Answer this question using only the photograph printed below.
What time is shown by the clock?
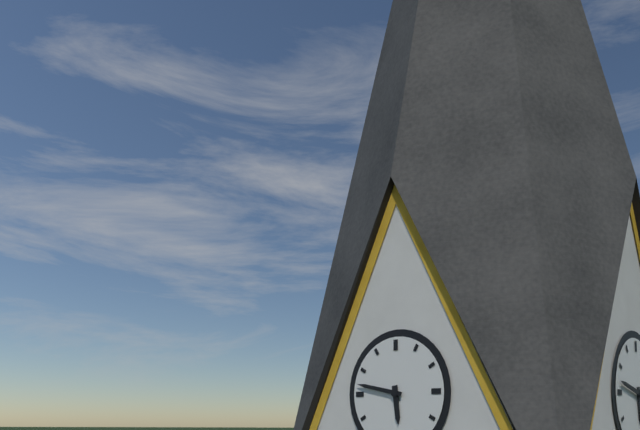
5:47
